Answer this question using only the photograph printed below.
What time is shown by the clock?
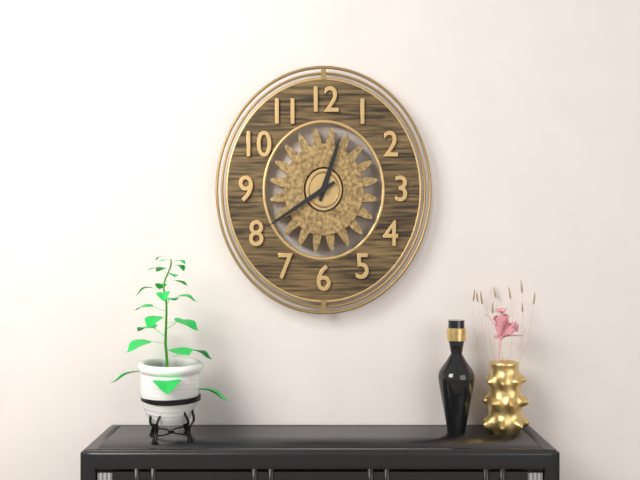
12:40
